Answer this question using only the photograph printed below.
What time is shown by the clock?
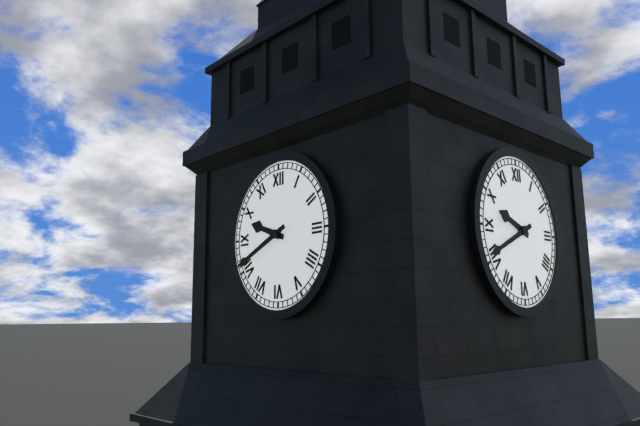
9:41
